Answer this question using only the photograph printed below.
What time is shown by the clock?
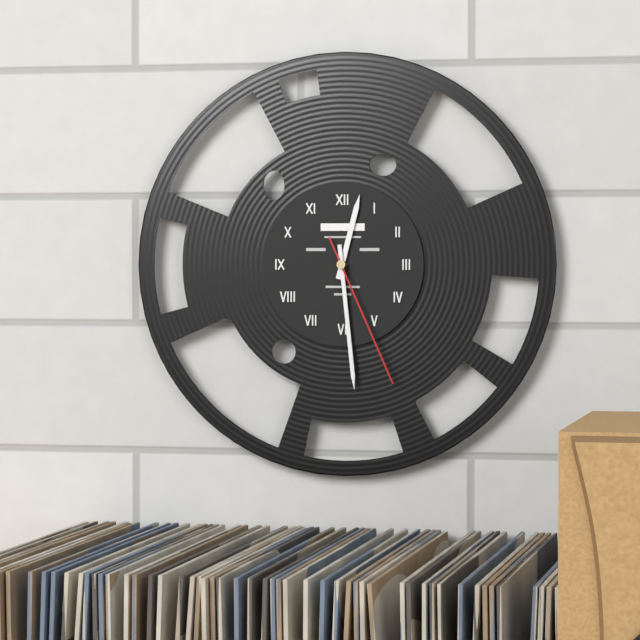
12:29:26
